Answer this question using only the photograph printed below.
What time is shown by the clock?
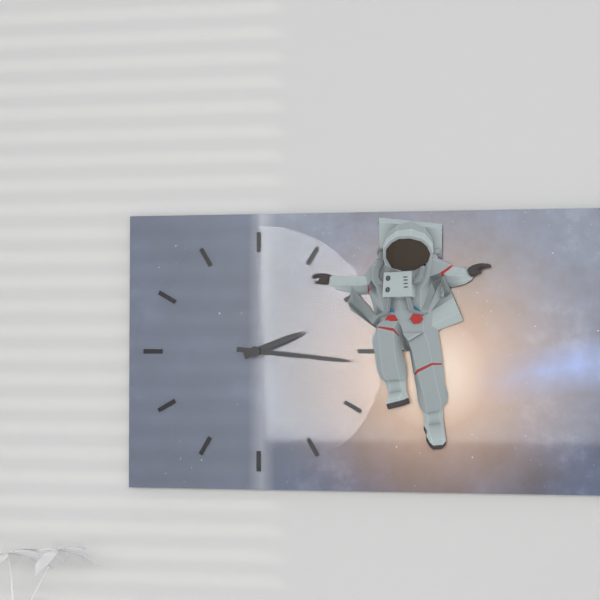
2:16
